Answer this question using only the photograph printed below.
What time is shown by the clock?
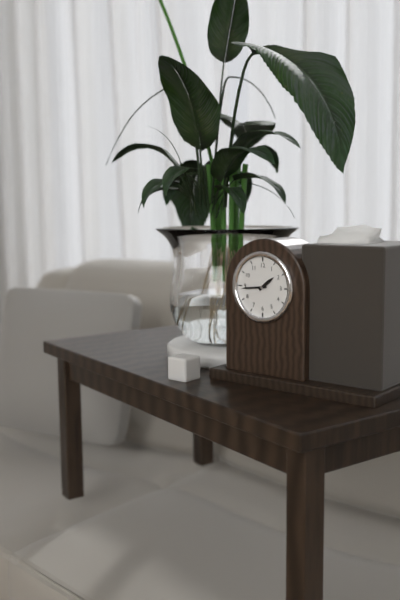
1:44
